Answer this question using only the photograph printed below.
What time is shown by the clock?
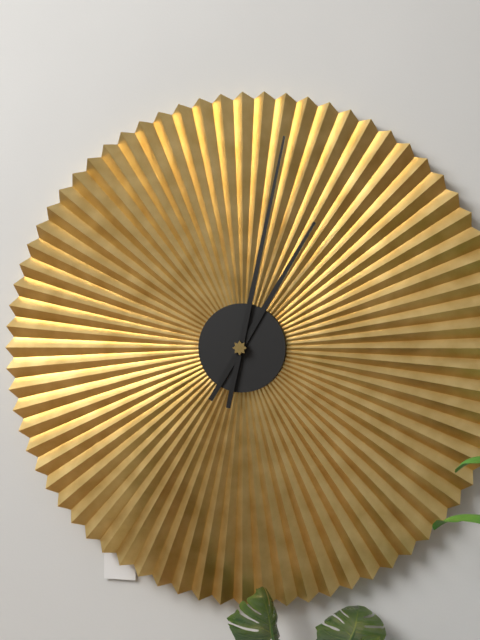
1:02
